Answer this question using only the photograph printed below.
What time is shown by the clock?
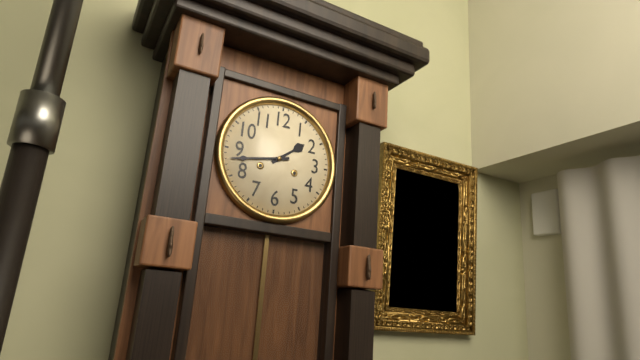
1:43
